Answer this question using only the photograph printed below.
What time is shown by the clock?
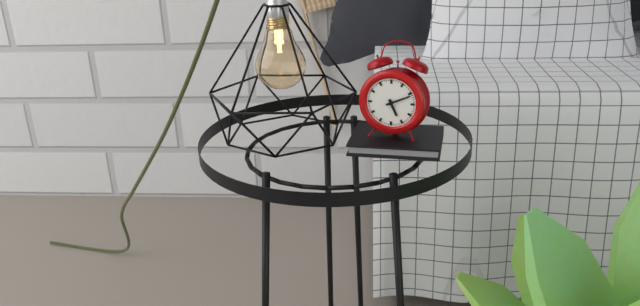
5:11
